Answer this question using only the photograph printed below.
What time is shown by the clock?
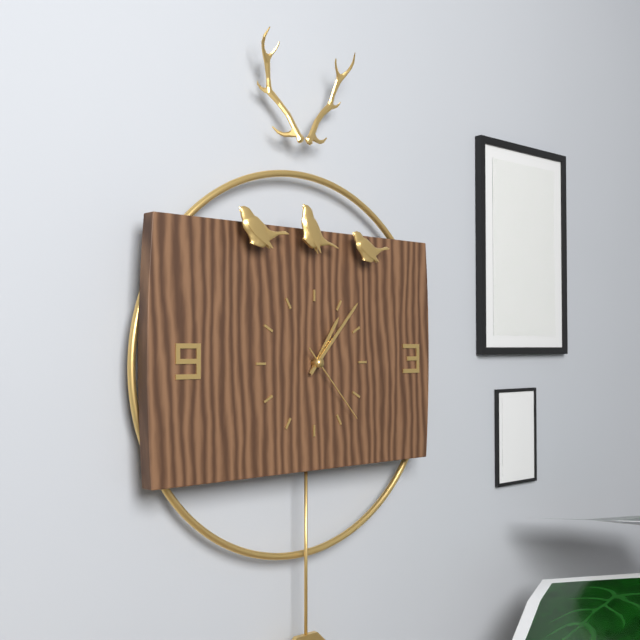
1:07:23
